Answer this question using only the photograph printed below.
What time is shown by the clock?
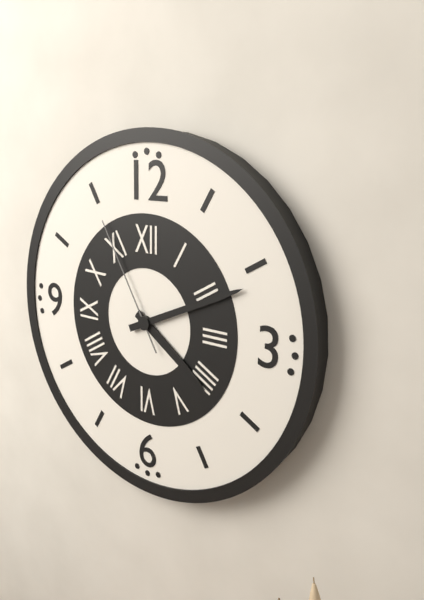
4:11:55
